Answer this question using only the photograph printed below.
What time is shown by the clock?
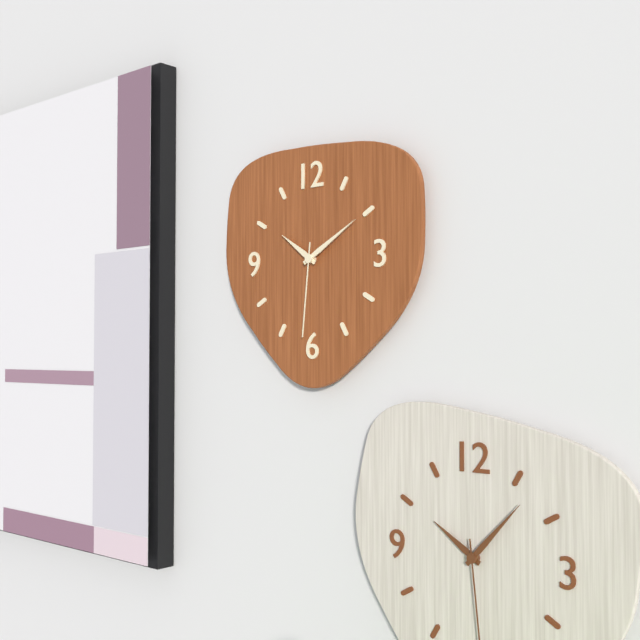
10:10:31
